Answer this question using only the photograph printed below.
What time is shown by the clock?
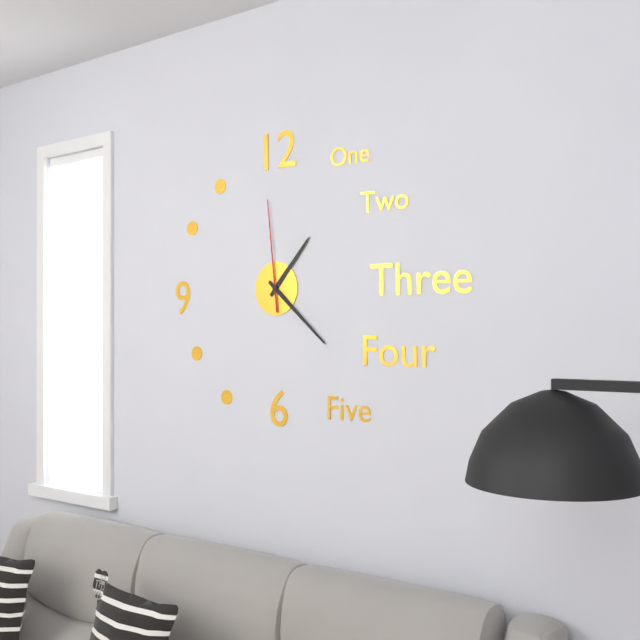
1:22:59
